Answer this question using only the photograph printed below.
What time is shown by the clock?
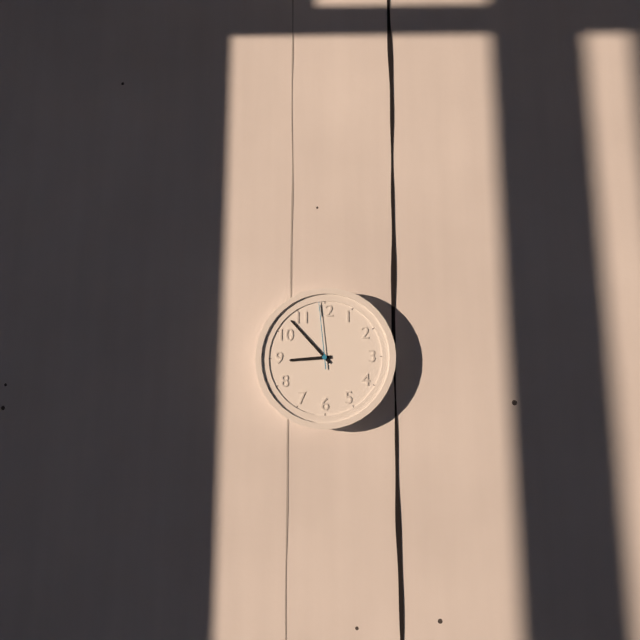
8:53:59
